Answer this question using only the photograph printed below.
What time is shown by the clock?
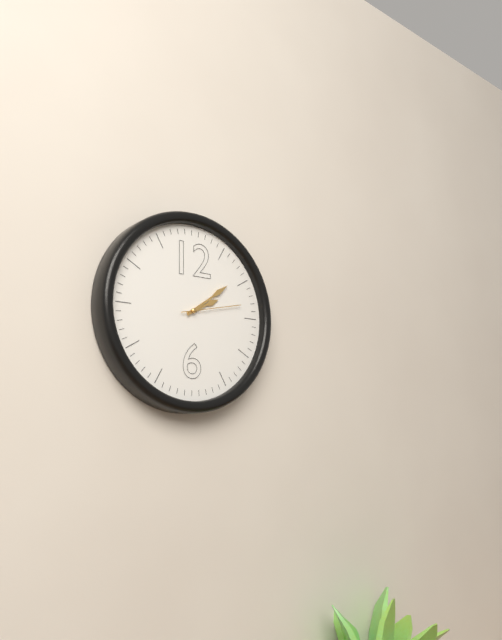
2:09:13
